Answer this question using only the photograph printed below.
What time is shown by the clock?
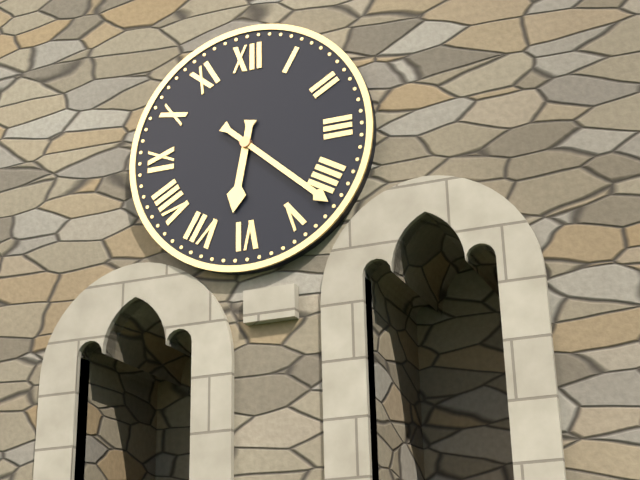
6:22
